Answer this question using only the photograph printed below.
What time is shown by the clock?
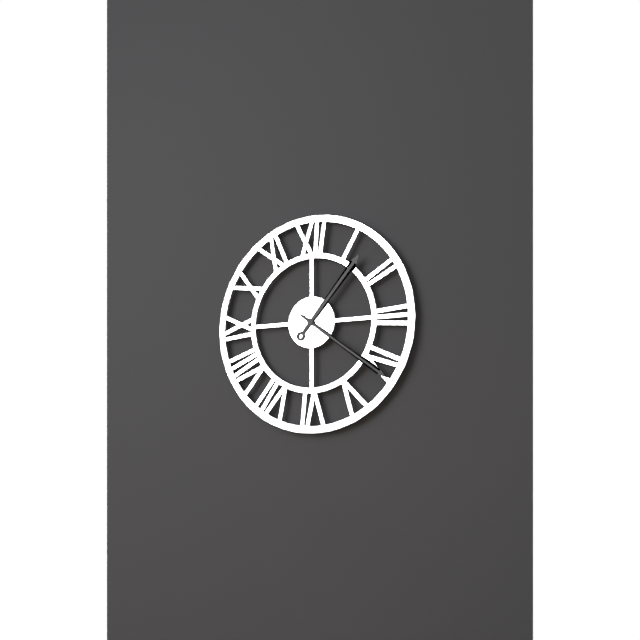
1:21
